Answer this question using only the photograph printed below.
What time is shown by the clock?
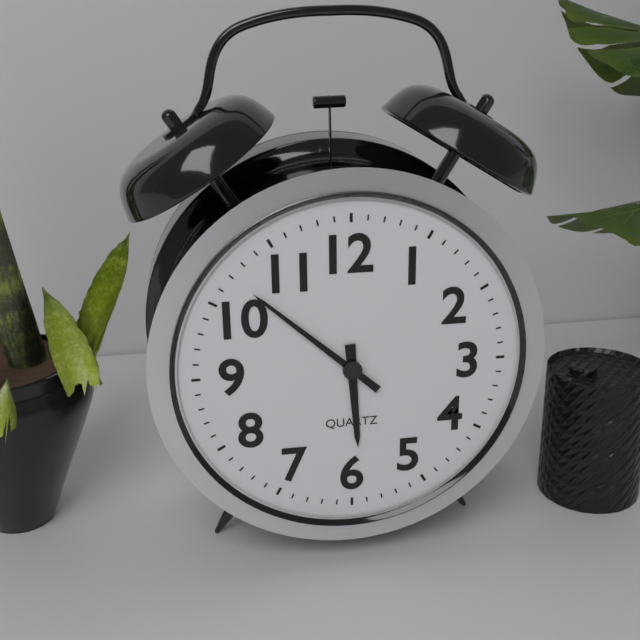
5:52
